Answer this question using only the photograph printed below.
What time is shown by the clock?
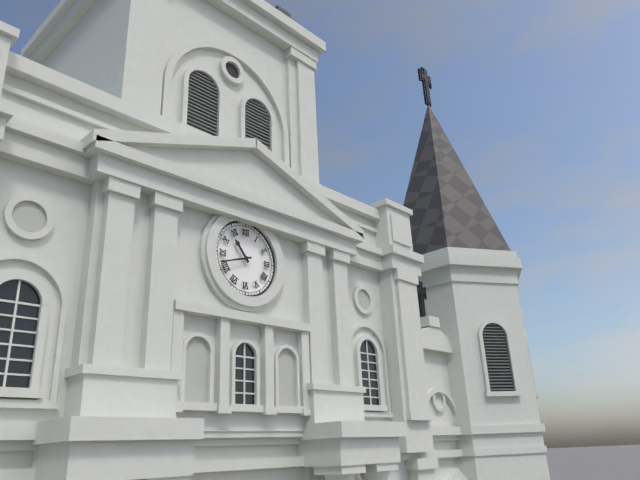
10:42
